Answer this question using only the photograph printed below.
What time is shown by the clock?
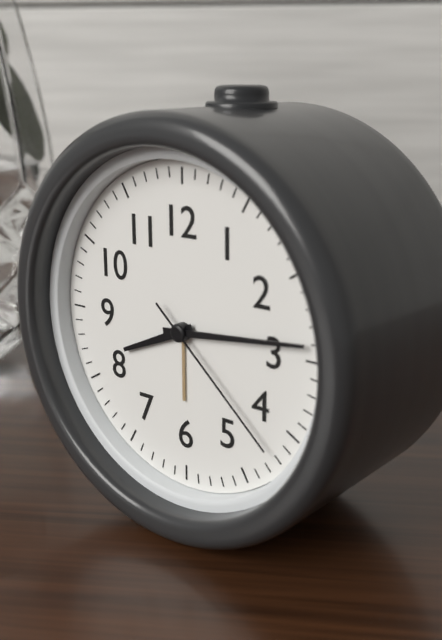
8:14:22
